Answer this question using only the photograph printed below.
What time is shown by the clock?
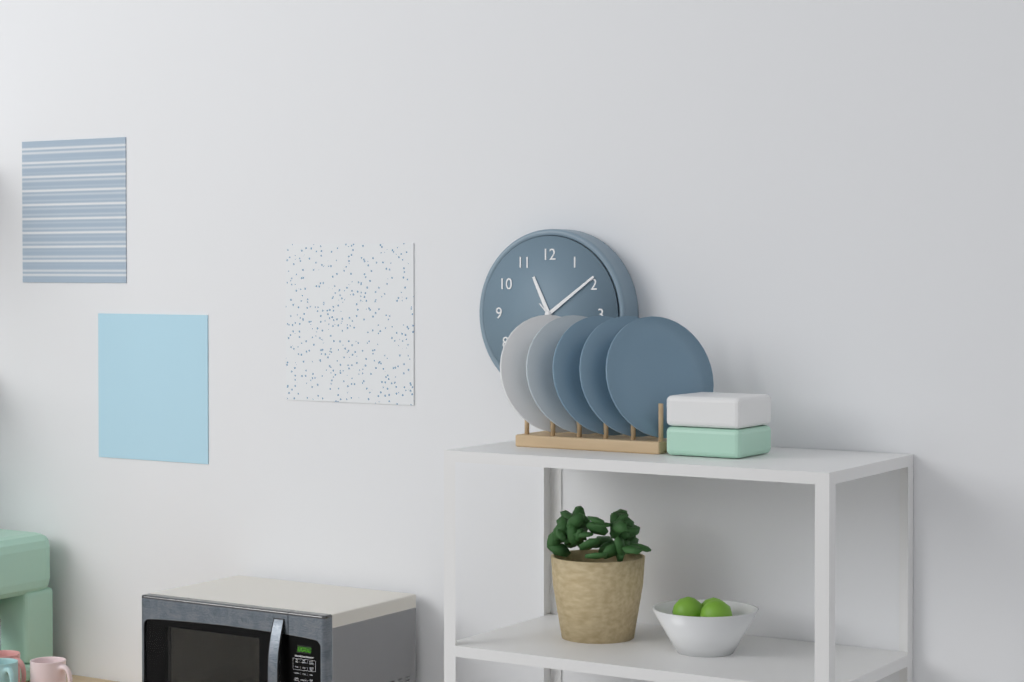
11:09
